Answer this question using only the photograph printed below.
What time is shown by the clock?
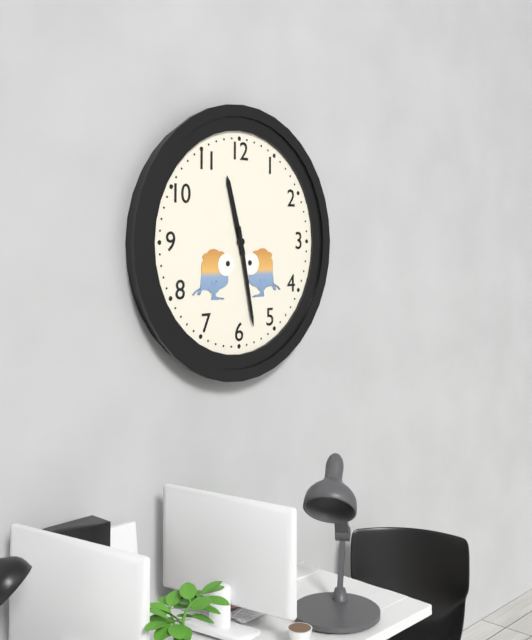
11:28
